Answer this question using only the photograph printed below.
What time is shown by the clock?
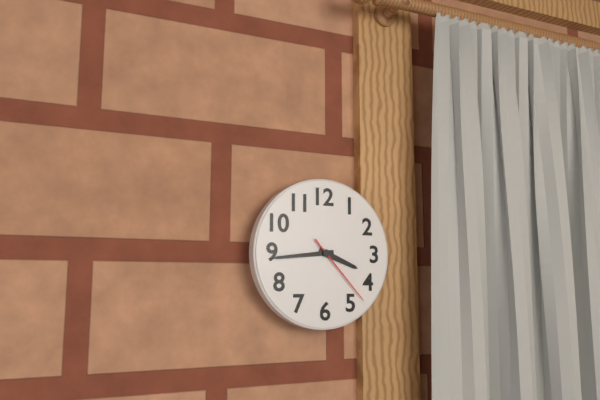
3:44:23
